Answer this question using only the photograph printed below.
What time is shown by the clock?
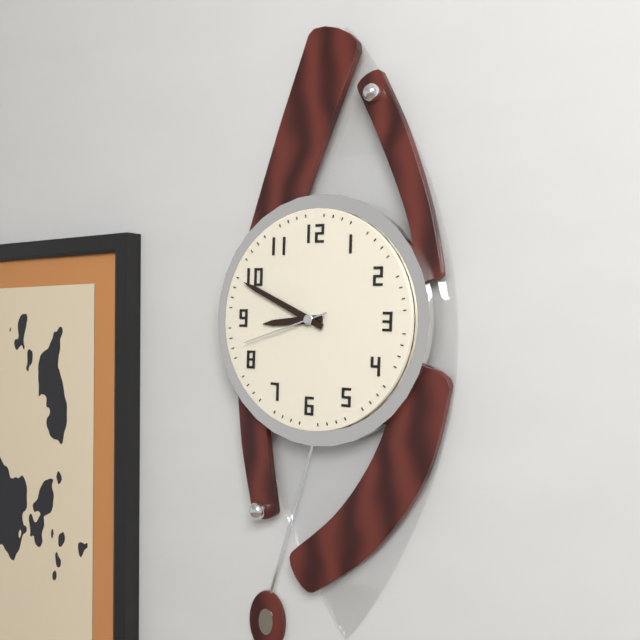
8:49:42
